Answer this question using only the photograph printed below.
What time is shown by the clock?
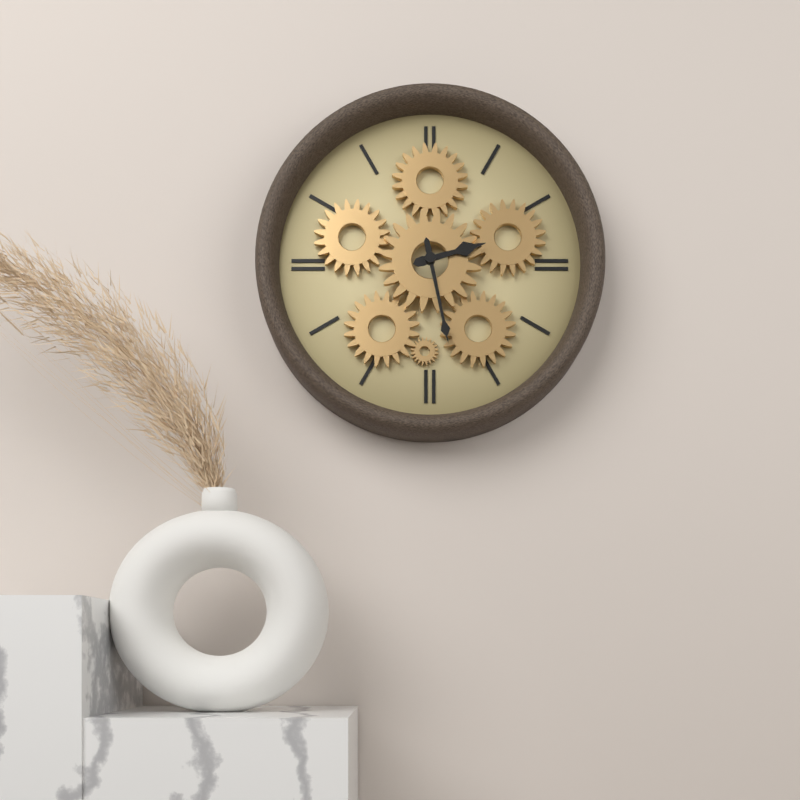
2:28
